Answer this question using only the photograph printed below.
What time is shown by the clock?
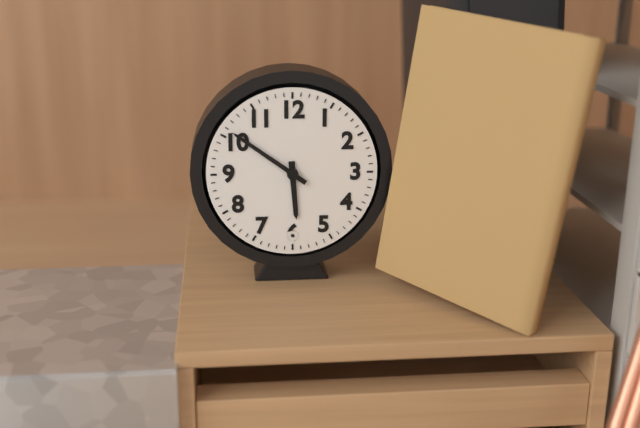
5:51
